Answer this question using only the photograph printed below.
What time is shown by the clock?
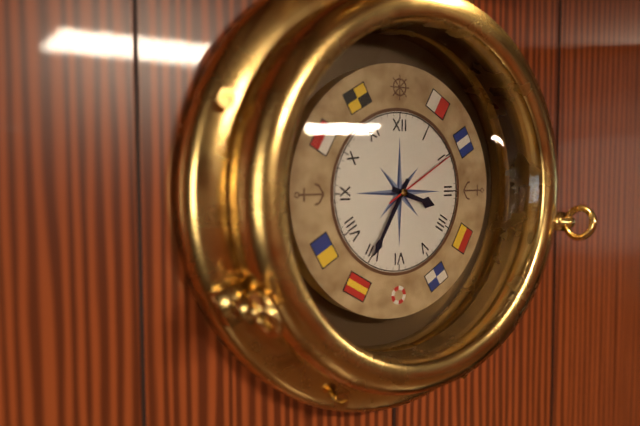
3:35:10
